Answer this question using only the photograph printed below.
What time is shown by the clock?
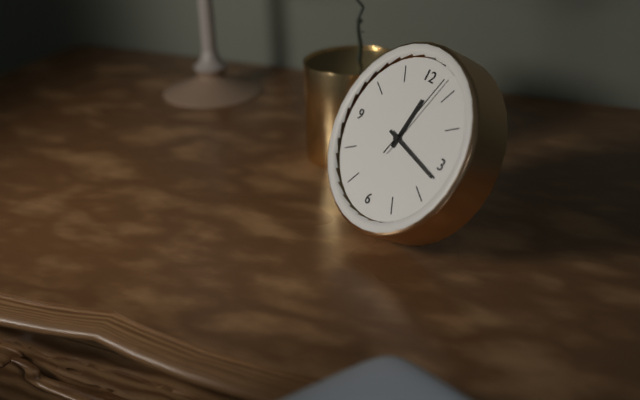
12:17:03
